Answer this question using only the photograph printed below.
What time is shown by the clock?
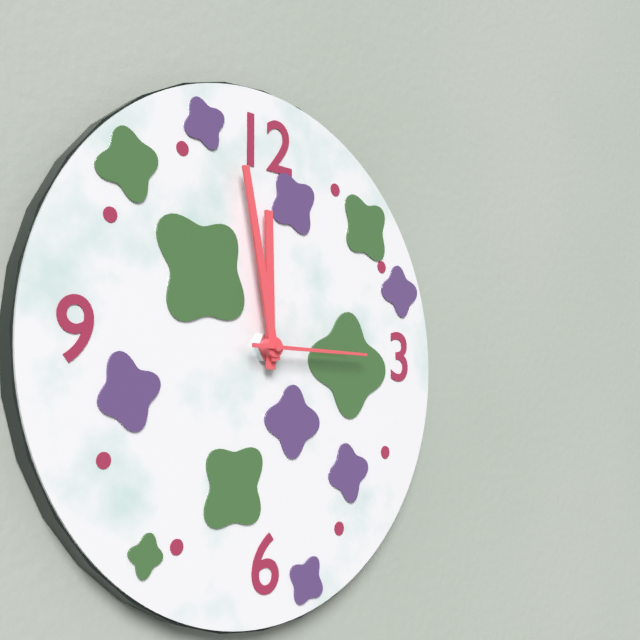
11:58:15
